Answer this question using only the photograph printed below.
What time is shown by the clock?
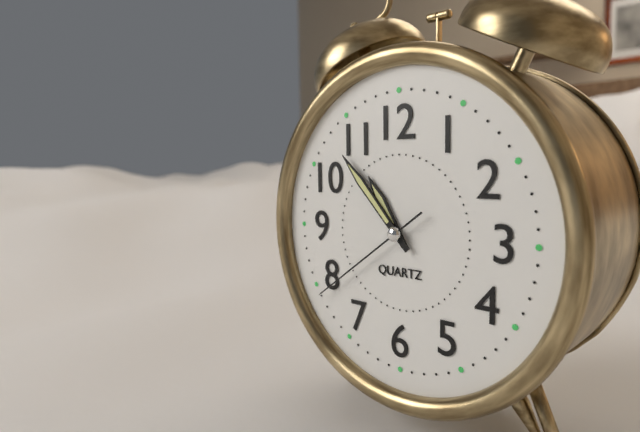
10:53:39
